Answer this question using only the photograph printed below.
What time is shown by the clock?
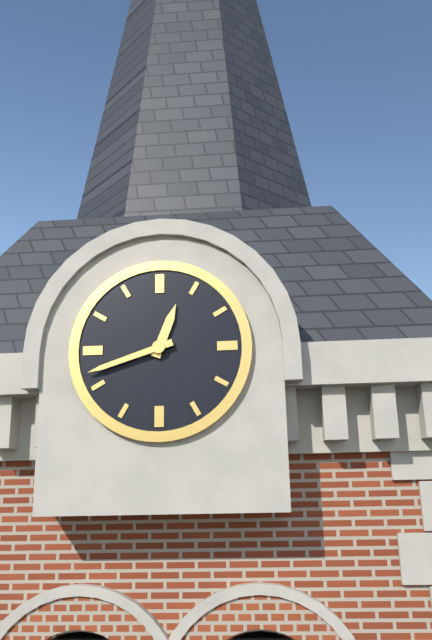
12:42
